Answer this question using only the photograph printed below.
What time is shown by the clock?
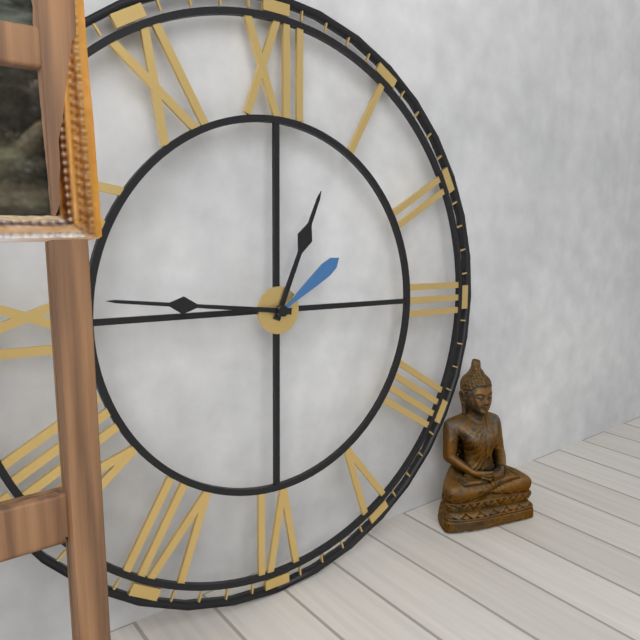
12:46:09
